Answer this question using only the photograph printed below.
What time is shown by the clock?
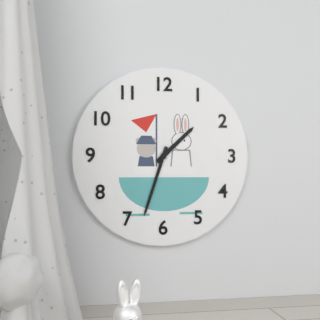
1:33
